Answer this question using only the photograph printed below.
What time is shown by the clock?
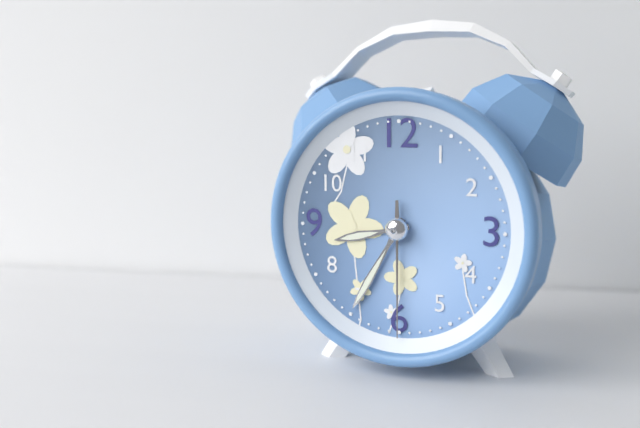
8:35:30
